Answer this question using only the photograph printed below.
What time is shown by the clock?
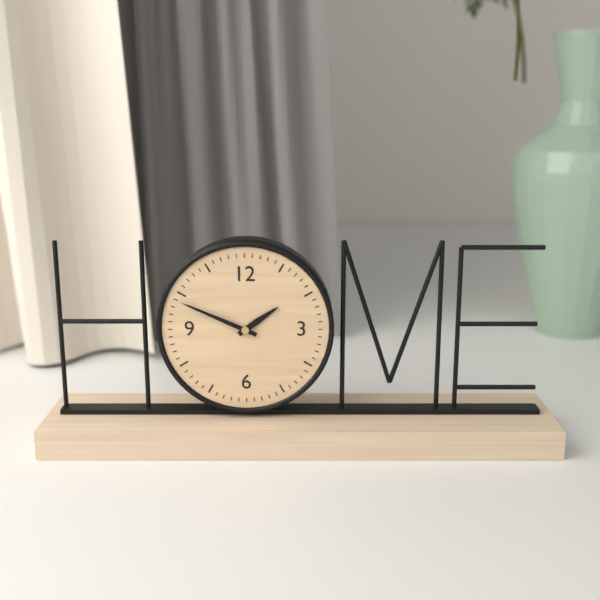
1:49
